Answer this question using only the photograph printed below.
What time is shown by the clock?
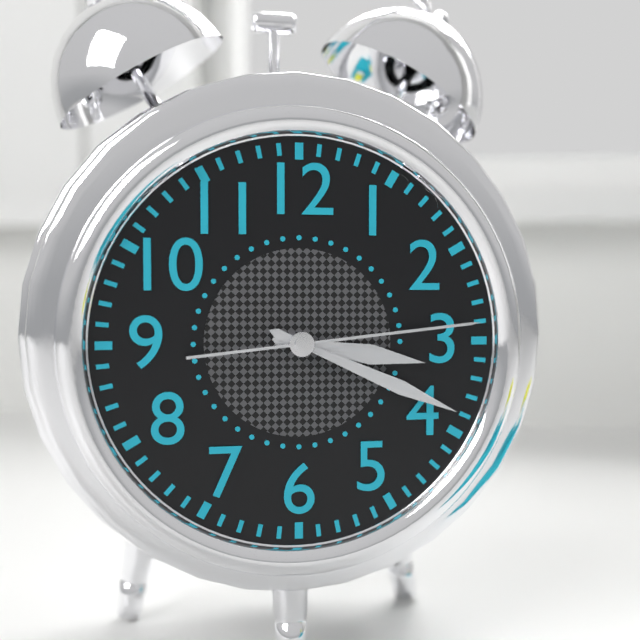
3:19:14
